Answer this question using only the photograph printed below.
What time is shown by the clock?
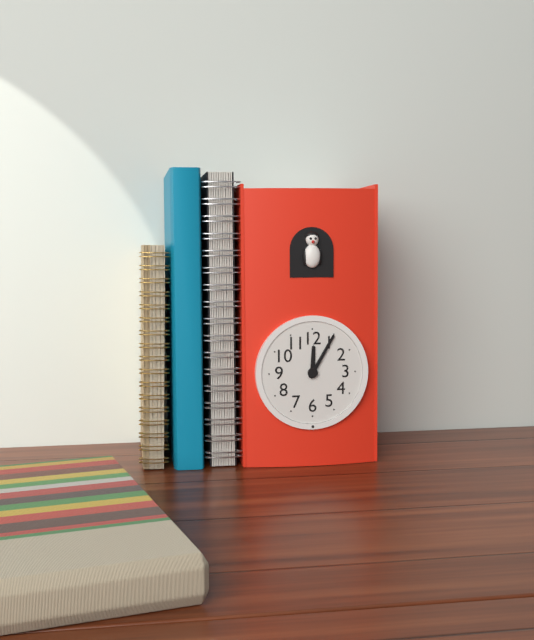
12:05
